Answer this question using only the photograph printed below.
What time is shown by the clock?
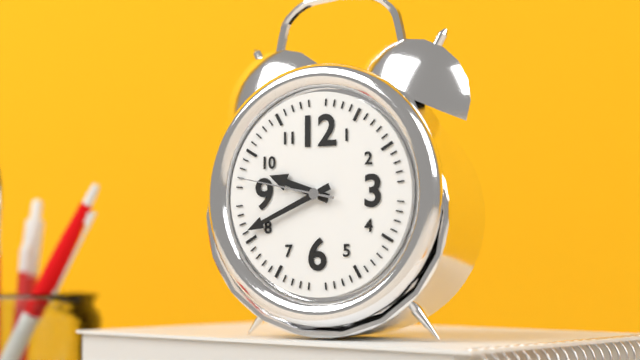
9:41:47
